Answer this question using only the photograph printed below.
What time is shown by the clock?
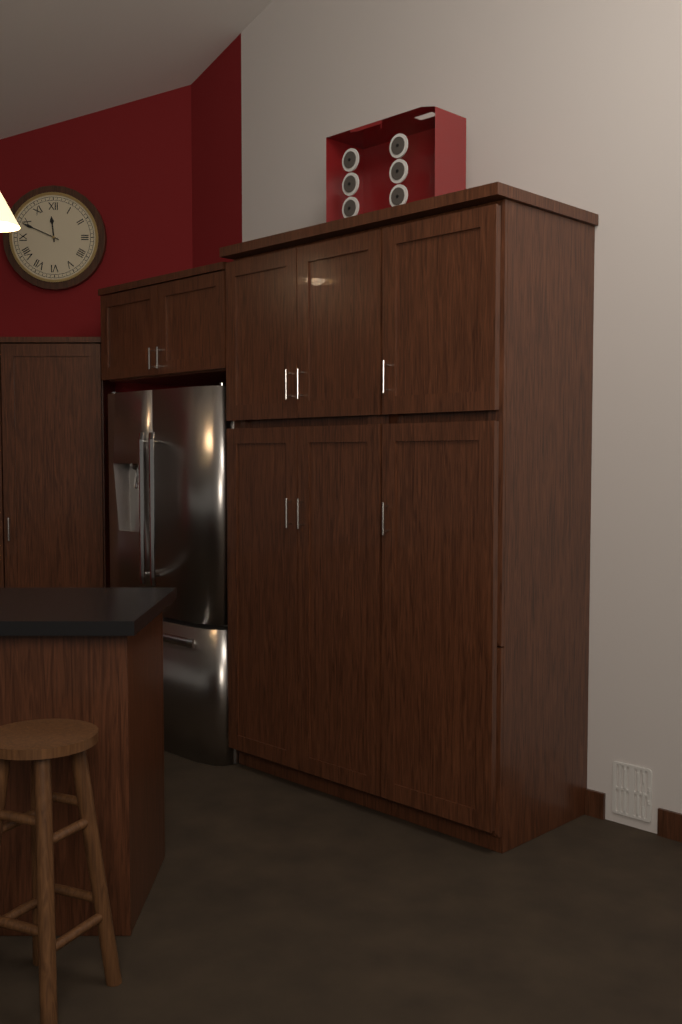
11:49
